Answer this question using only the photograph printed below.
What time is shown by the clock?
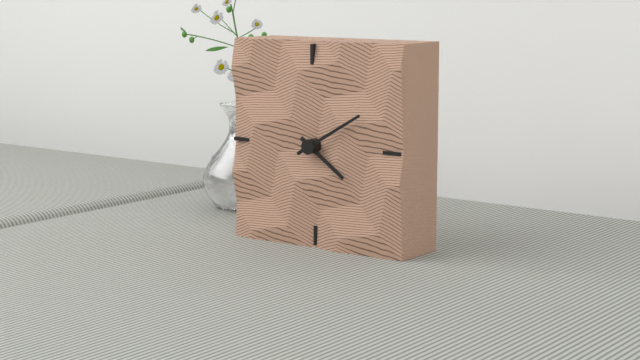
4:10
